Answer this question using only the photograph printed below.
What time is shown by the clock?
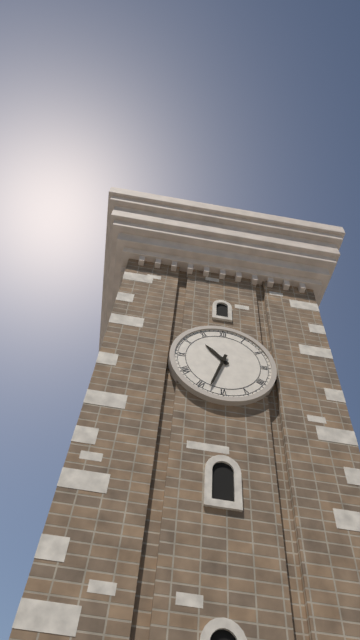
10:33
